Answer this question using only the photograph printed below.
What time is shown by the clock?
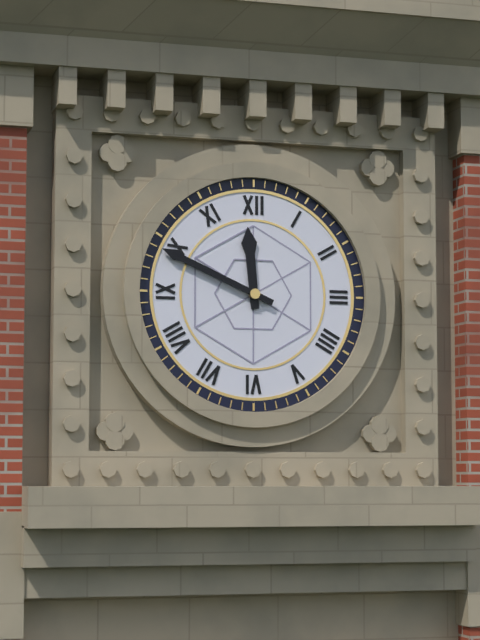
11:49
